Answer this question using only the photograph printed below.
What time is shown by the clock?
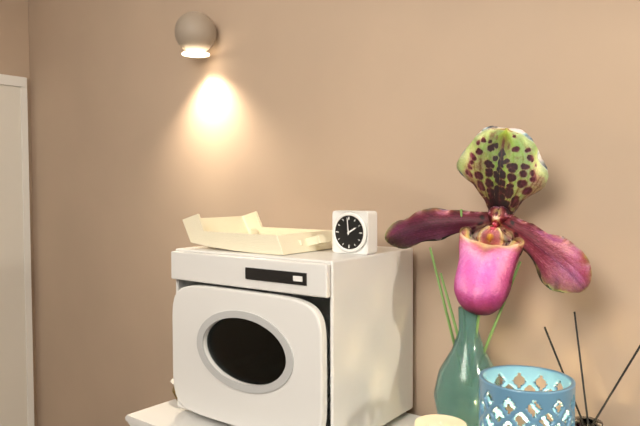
1:59
